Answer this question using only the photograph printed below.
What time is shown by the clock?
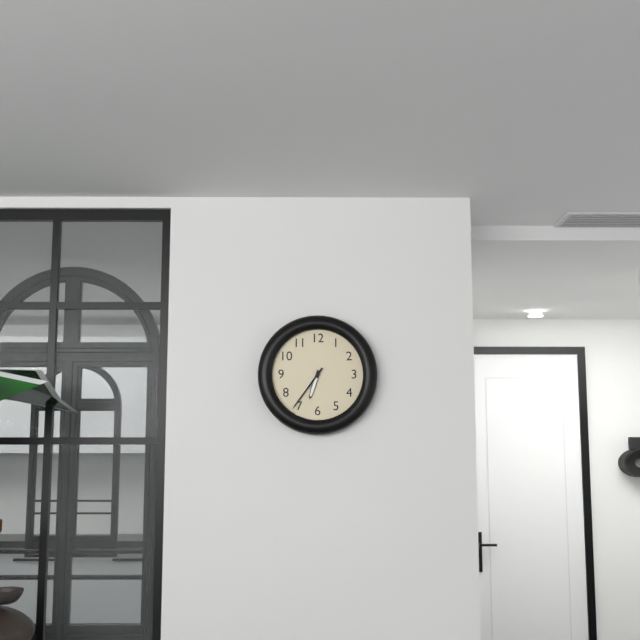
6:36
